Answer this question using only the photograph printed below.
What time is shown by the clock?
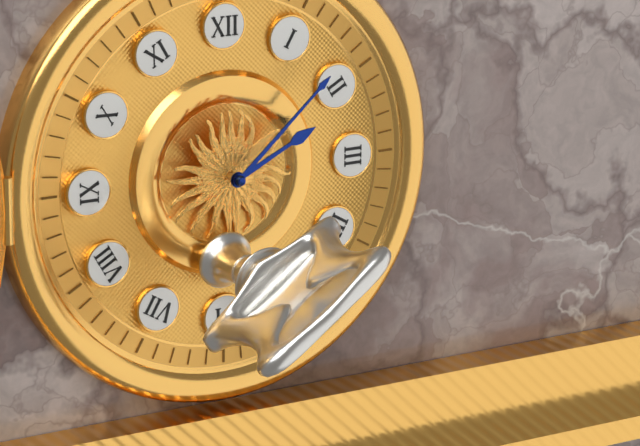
2:08
